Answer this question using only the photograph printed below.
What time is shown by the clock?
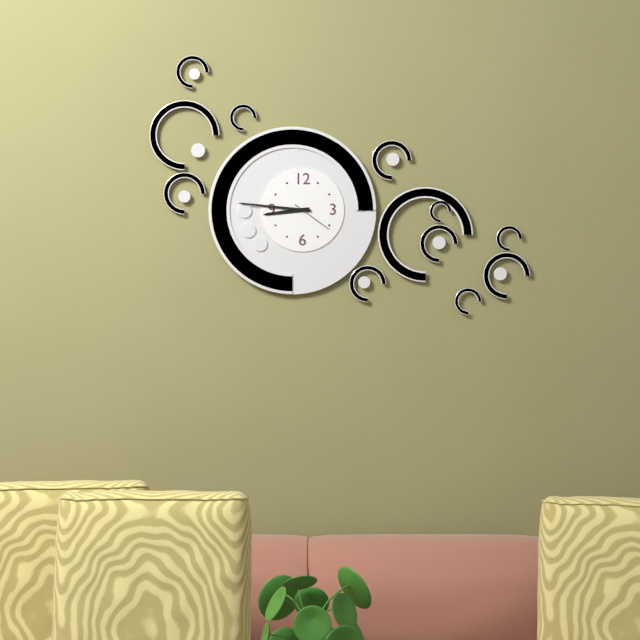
8:46
